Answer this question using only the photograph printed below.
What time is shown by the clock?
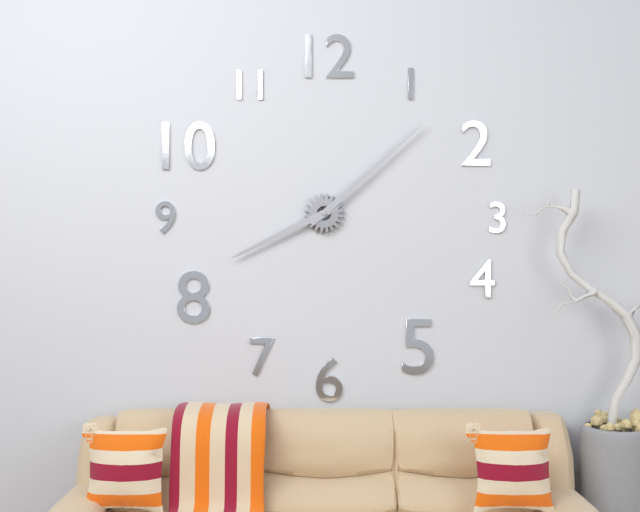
8:08
